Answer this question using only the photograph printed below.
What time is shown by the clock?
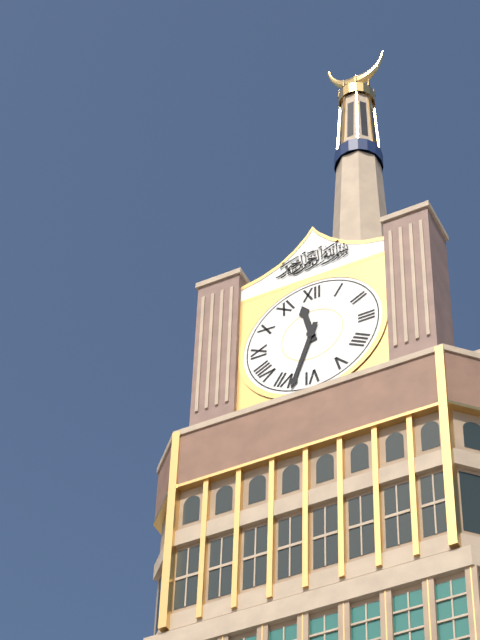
11:33
